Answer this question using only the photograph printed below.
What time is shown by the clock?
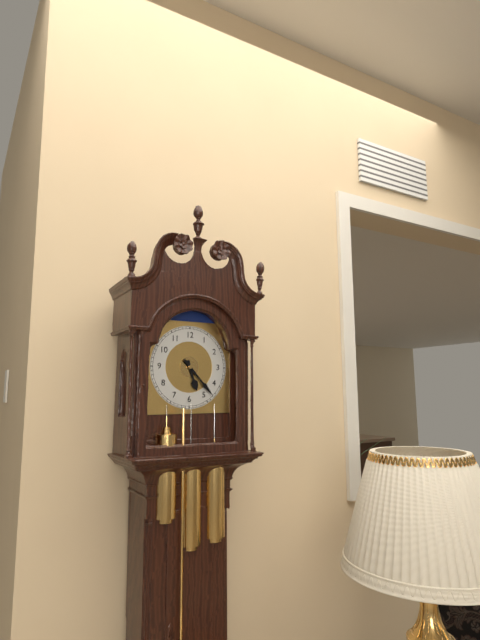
5:23
